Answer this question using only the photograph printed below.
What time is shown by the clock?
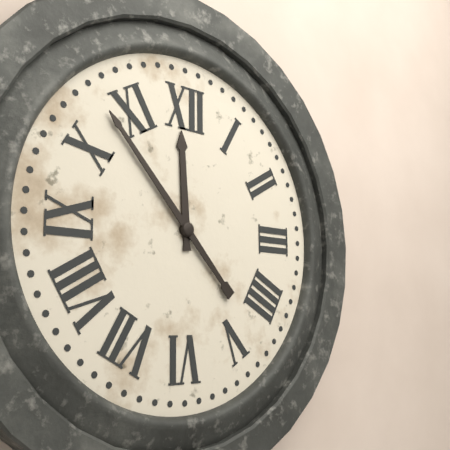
11:53
